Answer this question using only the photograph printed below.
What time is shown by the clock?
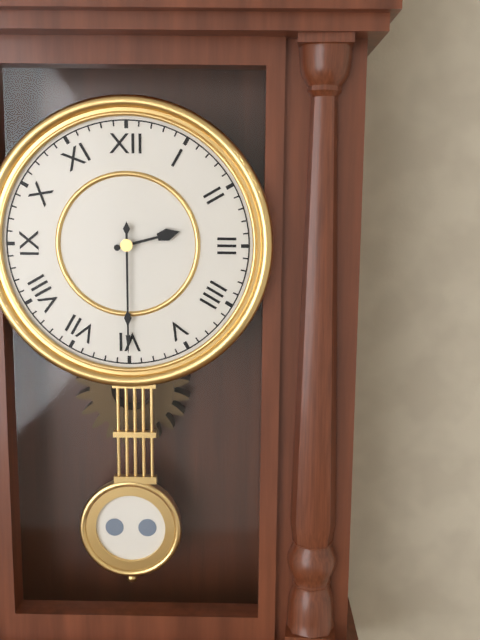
2:30
